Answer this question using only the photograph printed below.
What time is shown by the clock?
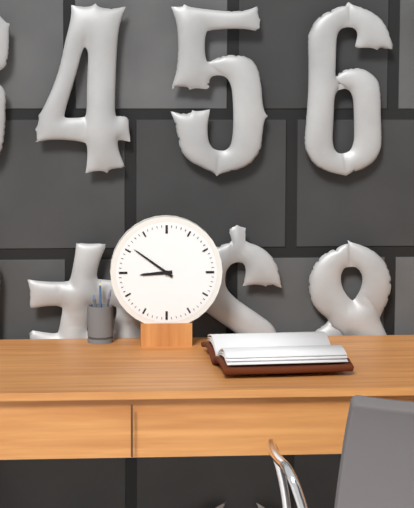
8:51
